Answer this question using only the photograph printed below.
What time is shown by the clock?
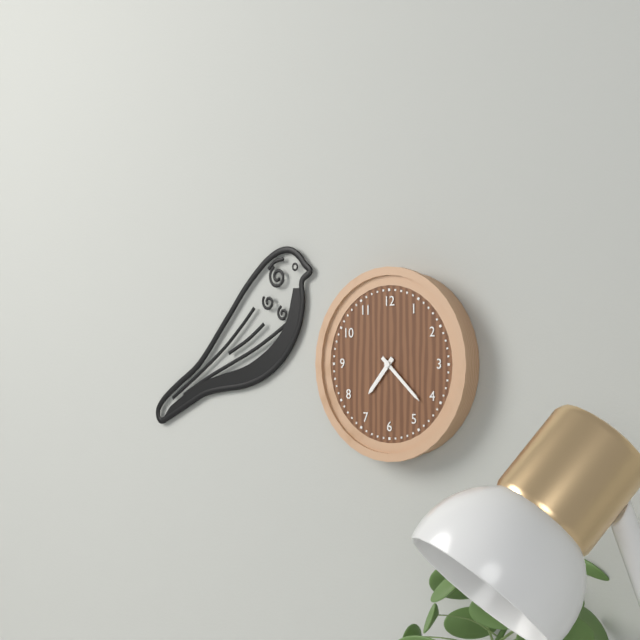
7:22
